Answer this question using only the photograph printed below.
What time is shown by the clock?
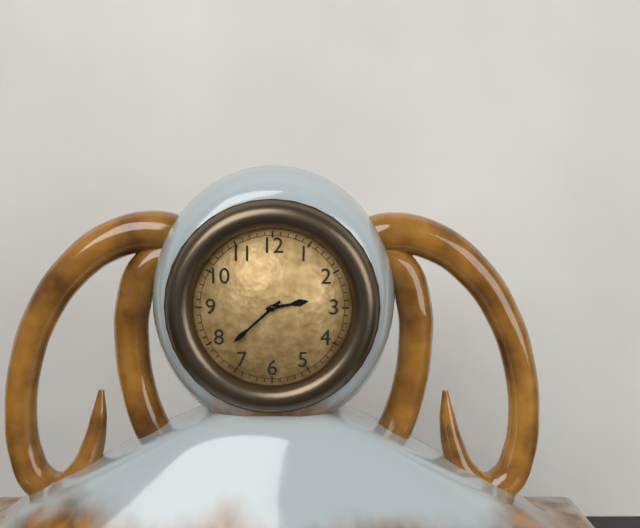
2:38
